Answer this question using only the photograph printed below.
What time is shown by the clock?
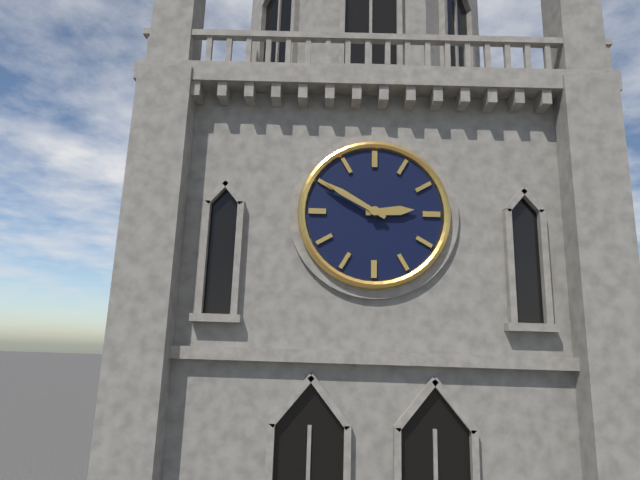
2:50
